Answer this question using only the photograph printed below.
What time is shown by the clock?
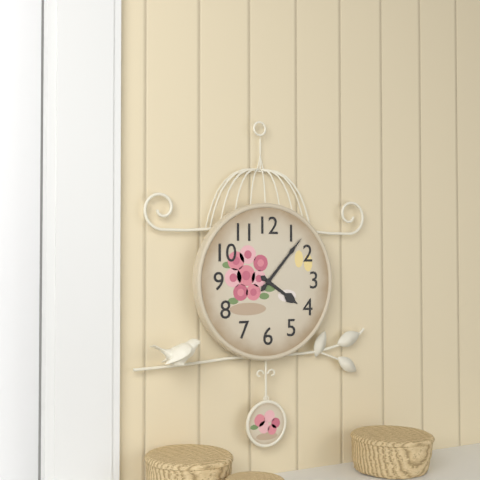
4:07
